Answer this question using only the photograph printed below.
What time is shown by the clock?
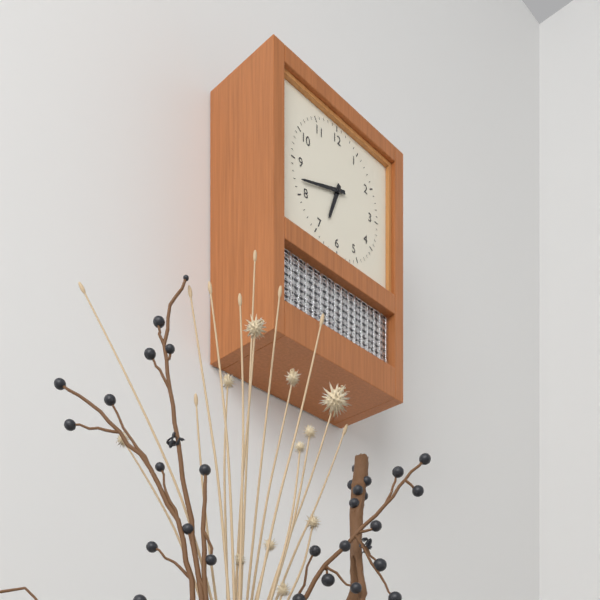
6:42
